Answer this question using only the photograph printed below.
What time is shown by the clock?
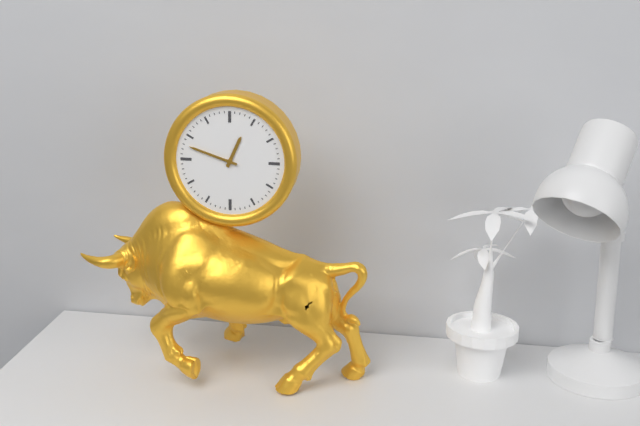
12:48
